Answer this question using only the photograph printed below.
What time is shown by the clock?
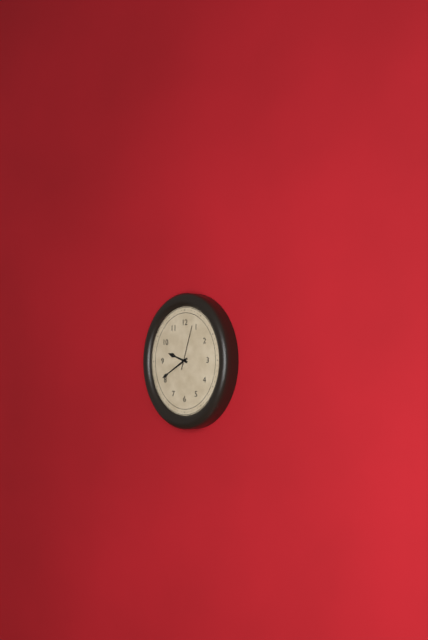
9:40
